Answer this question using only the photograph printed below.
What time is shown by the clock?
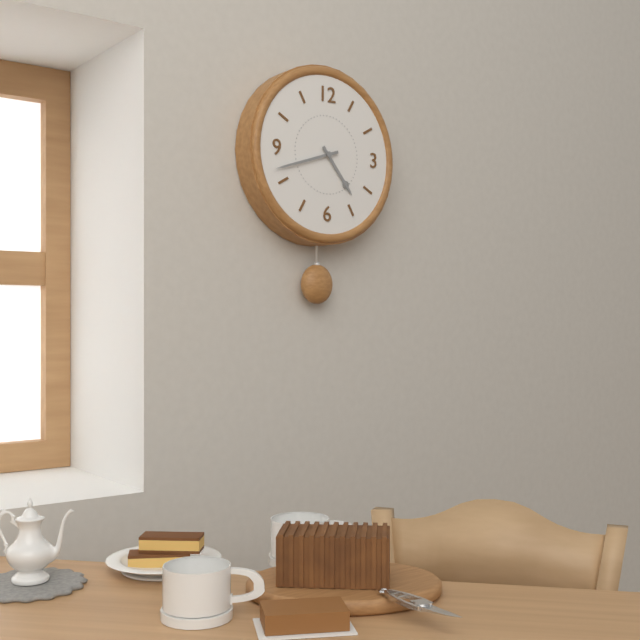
4:42
